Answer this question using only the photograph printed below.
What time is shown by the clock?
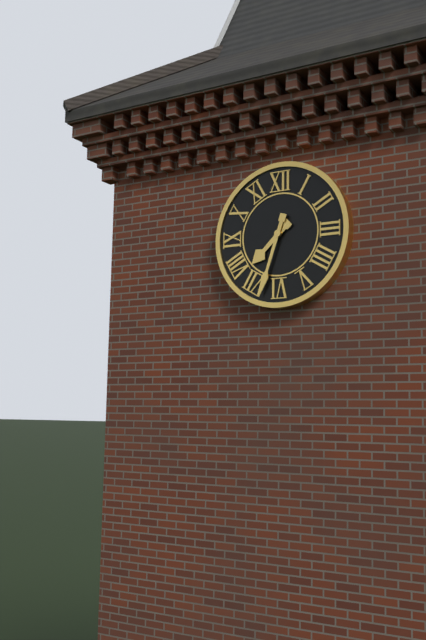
7:33
